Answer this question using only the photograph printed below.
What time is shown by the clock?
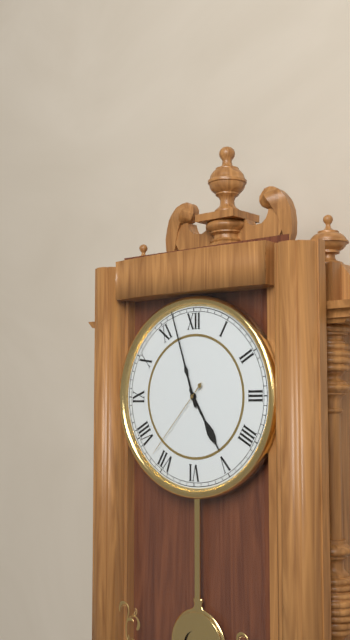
4:57:37
